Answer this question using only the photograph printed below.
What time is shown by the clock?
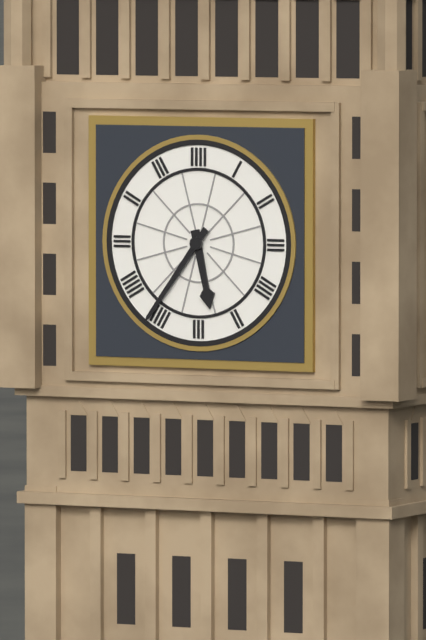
5:36
